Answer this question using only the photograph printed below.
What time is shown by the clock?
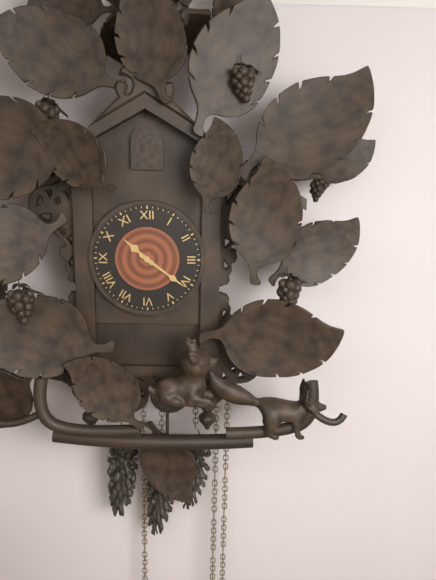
10:21
